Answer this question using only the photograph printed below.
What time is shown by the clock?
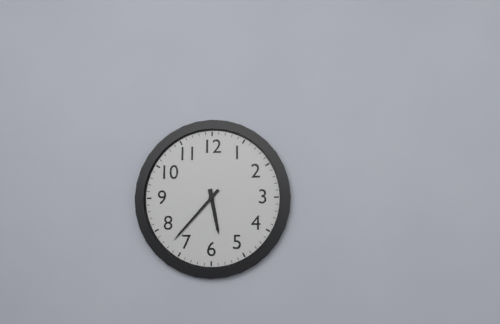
5:37
